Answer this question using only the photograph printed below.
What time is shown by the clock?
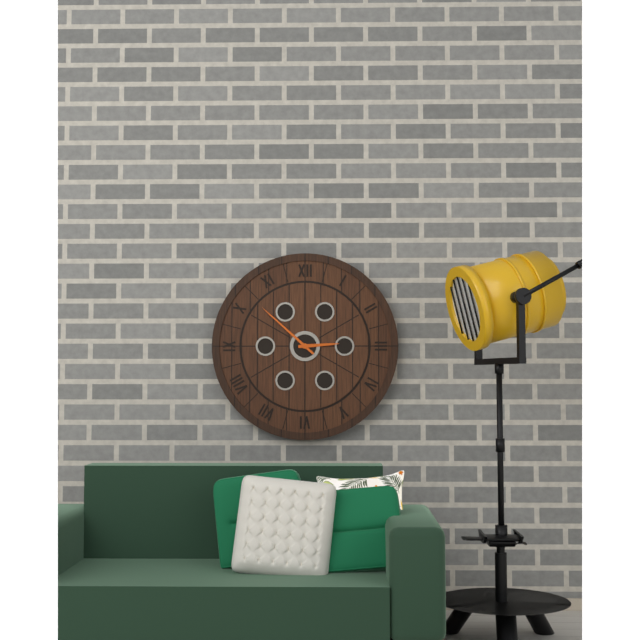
2:52
